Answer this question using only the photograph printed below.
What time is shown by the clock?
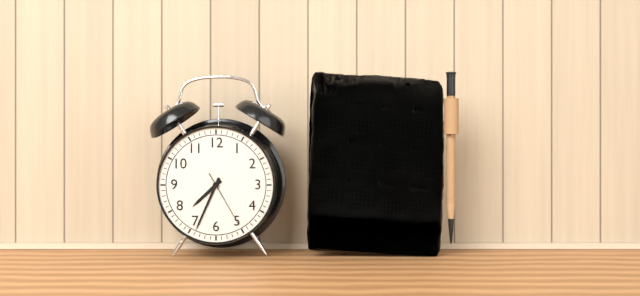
7:34:25
